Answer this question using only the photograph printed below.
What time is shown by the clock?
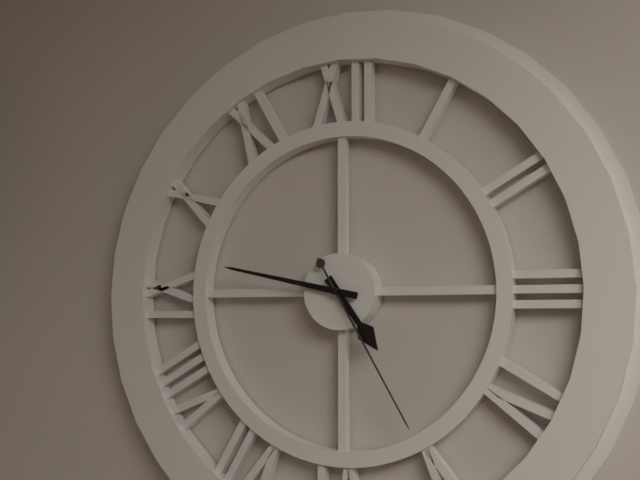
4:47:25
